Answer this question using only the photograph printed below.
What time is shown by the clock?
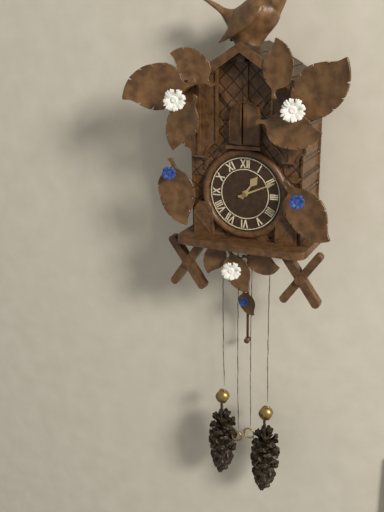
1:11
